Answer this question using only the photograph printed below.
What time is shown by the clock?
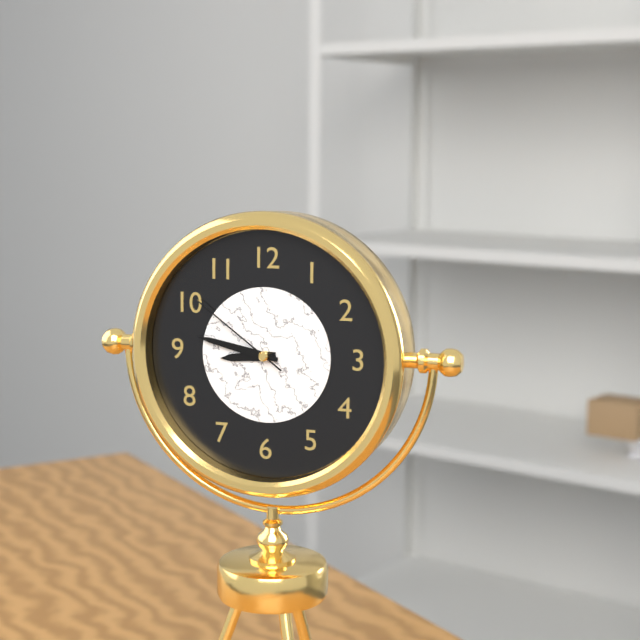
8:47:51
